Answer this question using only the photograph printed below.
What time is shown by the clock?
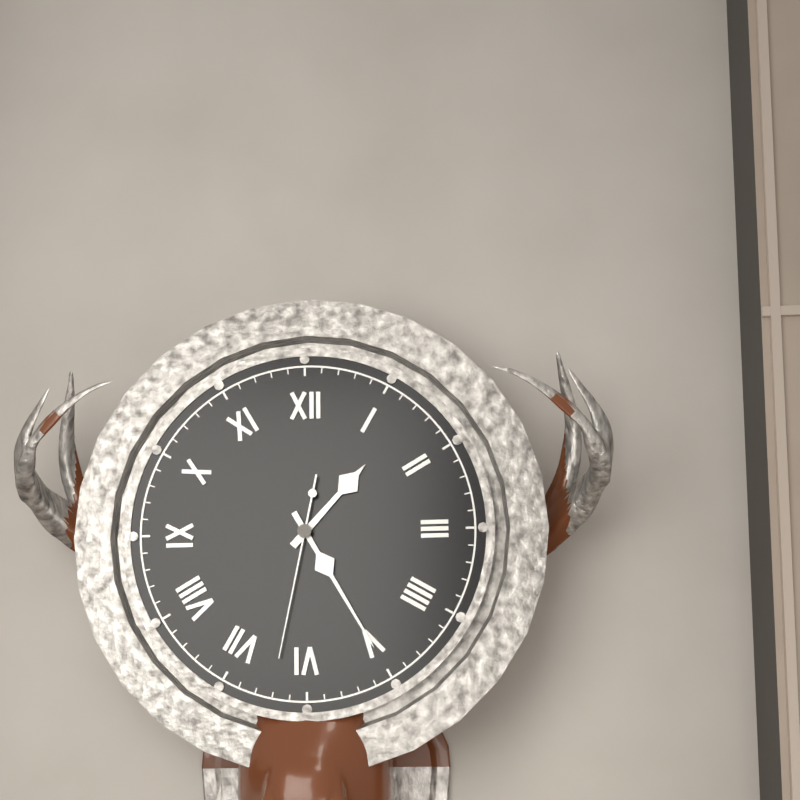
1:25:32
